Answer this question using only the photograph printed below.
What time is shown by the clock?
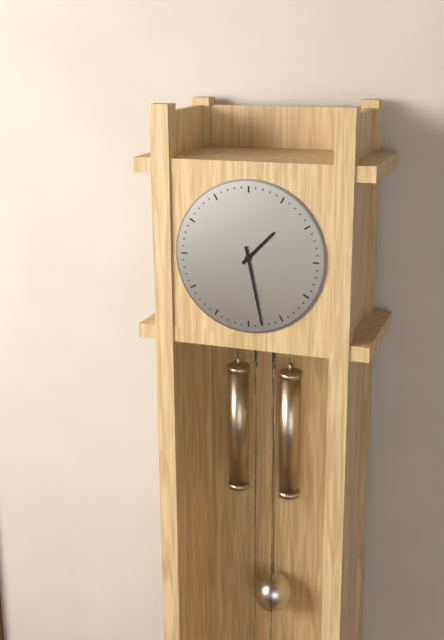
1:28
